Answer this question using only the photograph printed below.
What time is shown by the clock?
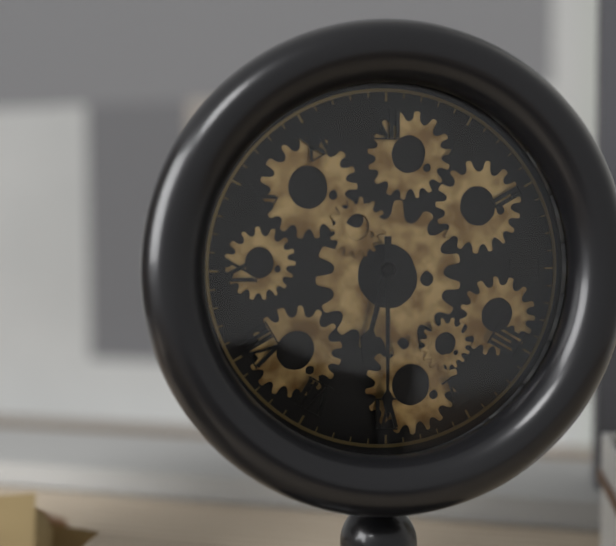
6:30
